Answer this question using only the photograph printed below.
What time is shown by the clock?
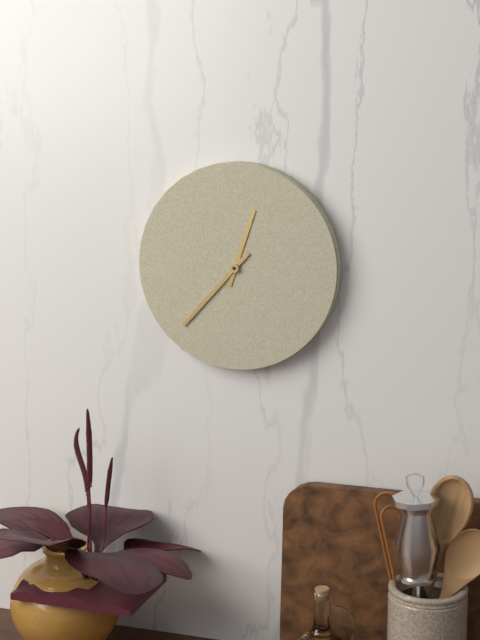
12:37
